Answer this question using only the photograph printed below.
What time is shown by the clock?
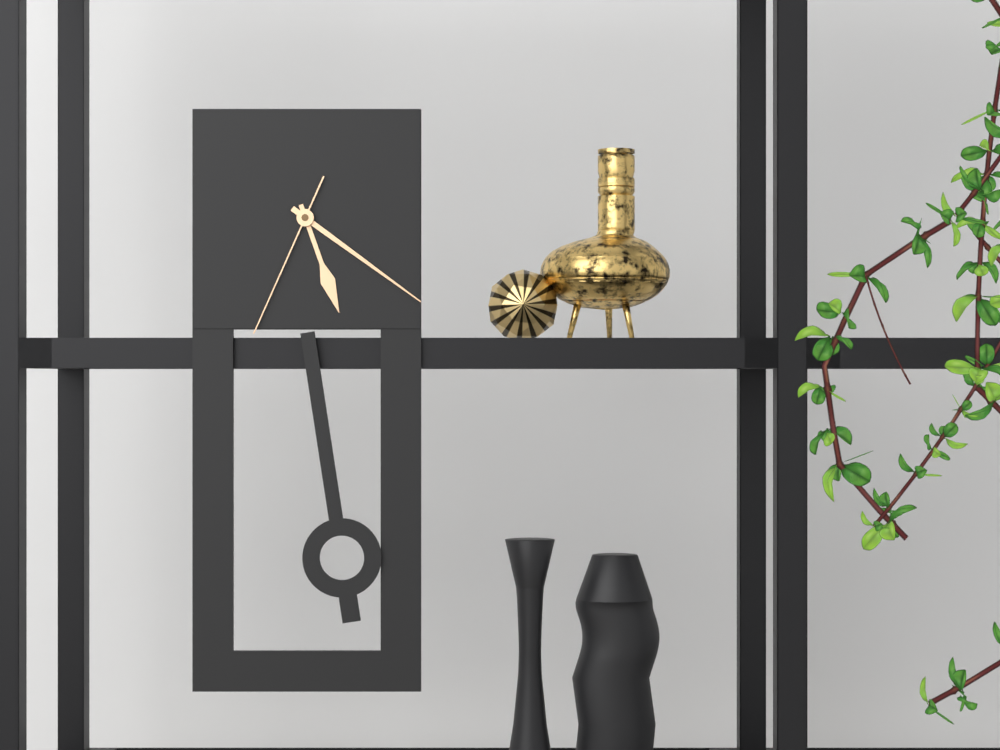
5:21:34
